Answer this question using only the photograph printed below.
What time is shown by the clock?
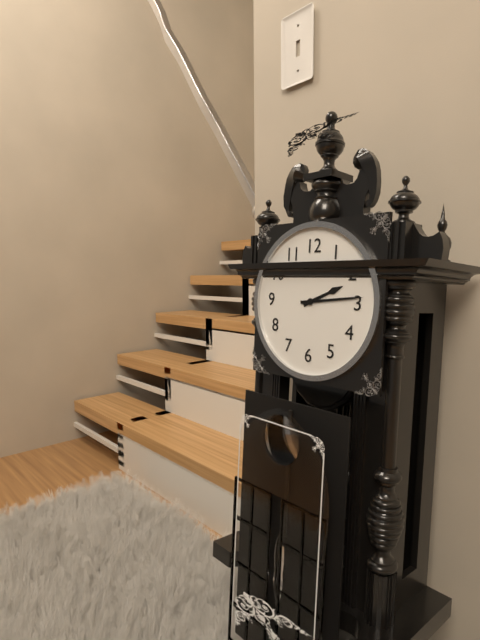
2:14
